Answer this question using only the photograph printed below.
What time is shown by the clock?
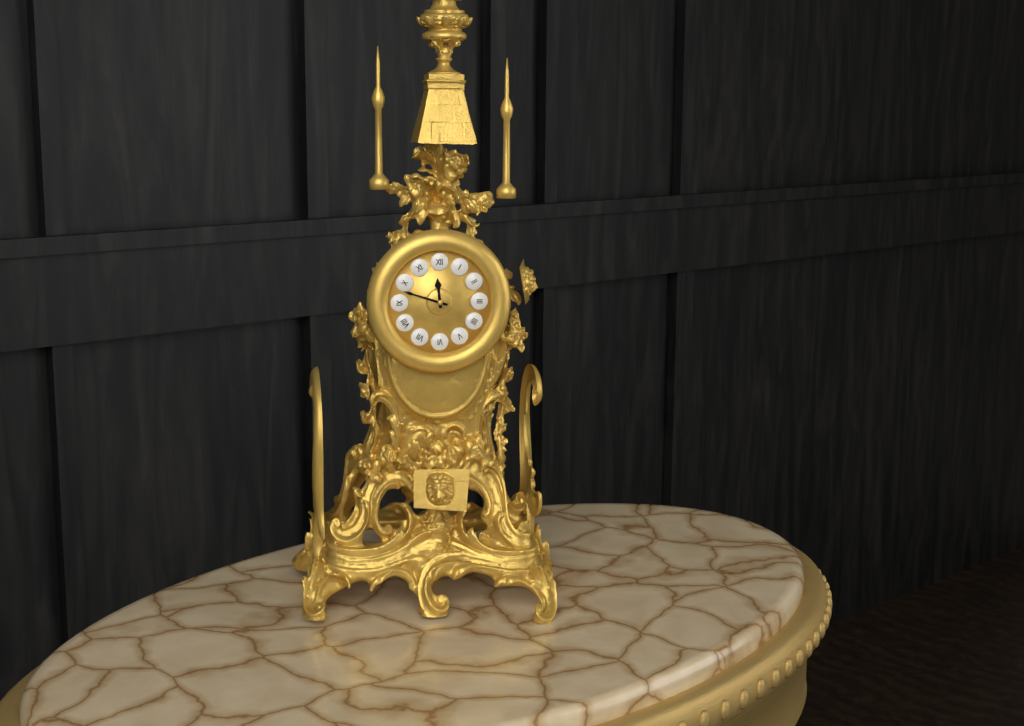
11:48
